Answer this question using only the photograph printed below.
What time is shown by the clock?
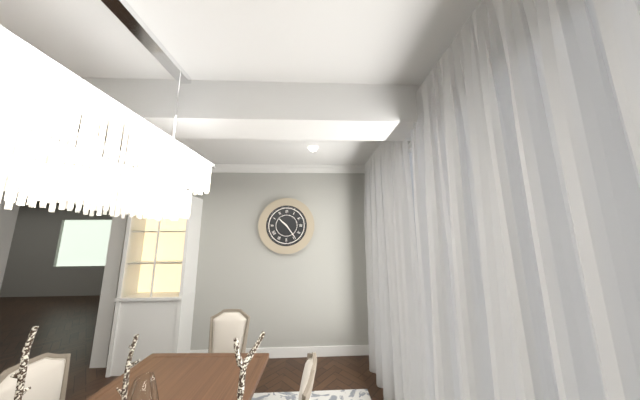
10:24
